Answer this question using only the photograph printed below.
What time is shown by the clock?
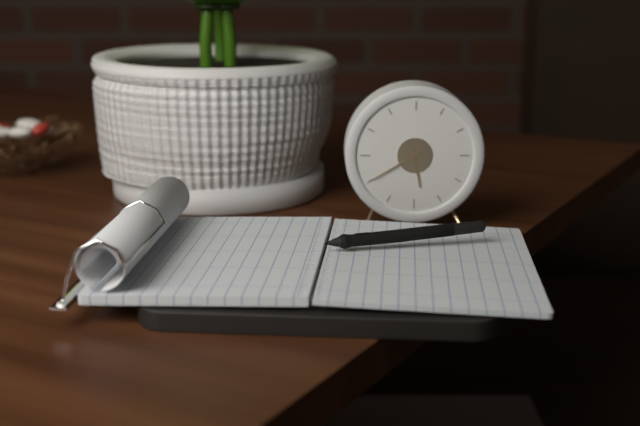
5:40
